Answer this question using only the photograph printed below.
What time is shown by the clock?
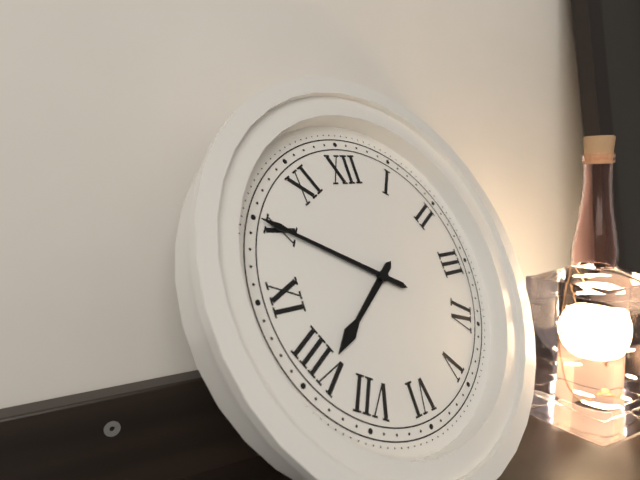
7:50
